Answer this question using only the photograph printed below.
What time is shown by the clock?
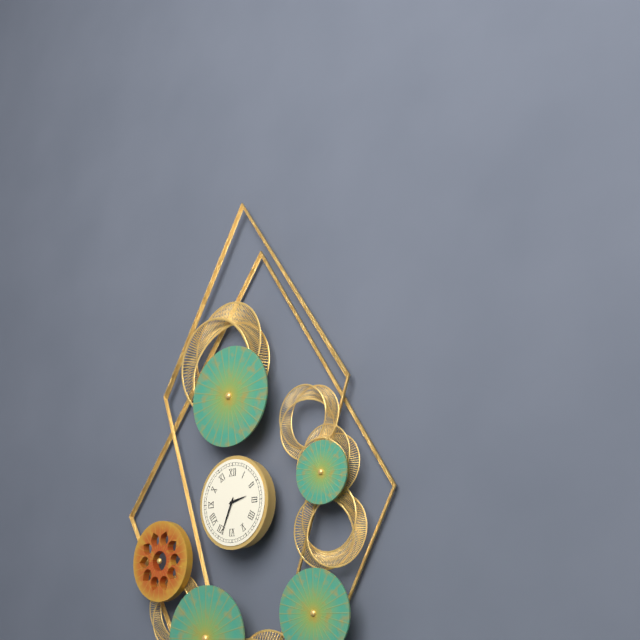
2:34
